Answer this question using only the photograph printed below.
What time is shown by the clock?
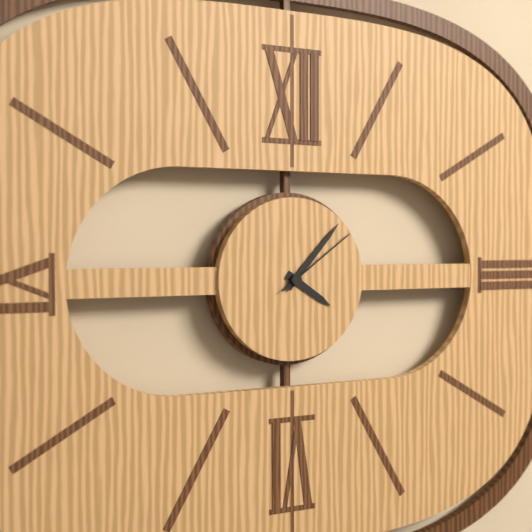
4:07:09
